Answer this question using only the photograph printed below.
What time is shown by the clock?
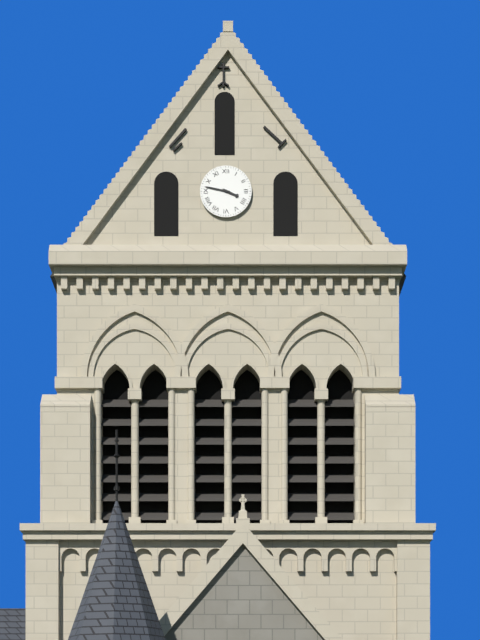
3:47
